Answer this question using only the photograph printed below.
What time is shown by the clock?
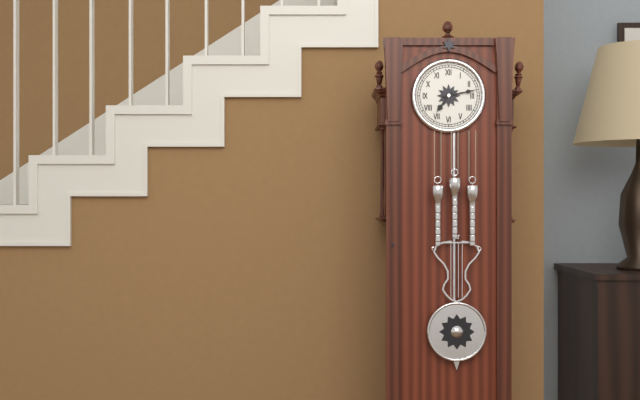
7:13
